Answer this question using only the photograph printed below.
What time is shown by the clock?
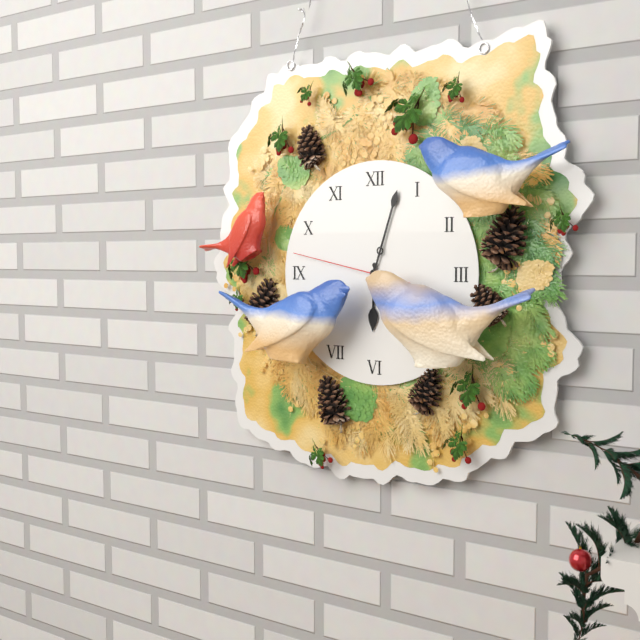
6:03:47
